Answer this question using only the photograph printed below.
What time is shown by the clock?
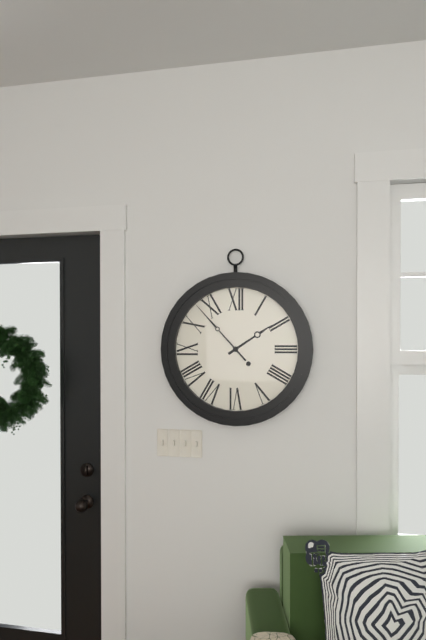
1:53
